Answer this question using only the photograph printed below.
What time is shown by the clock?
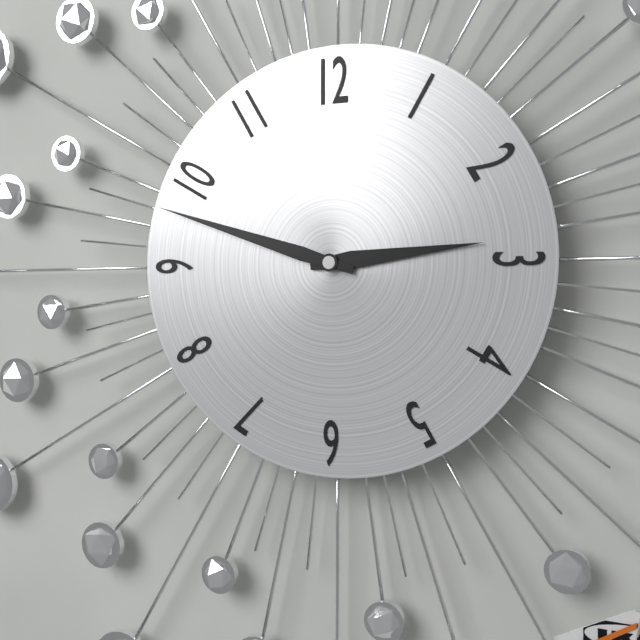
2:48
